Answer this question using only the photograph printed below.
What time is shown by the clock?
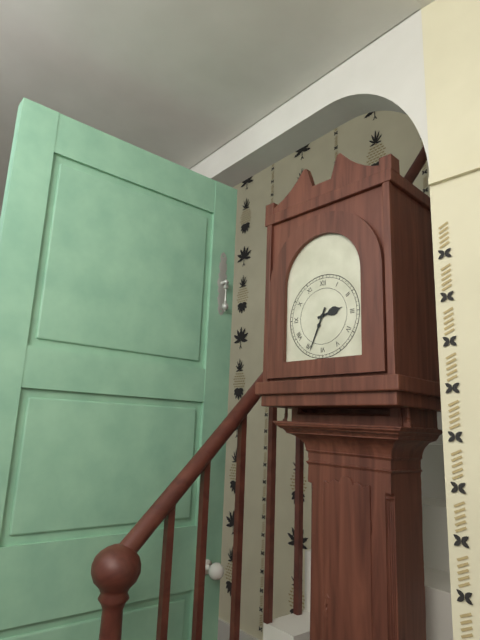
2:34
